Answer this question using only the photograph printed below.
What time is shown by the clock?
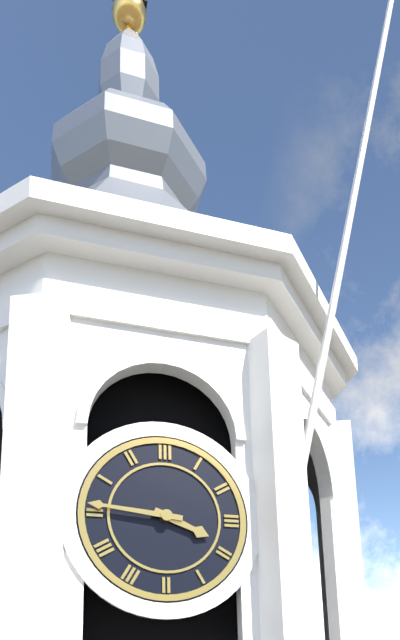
3:46
